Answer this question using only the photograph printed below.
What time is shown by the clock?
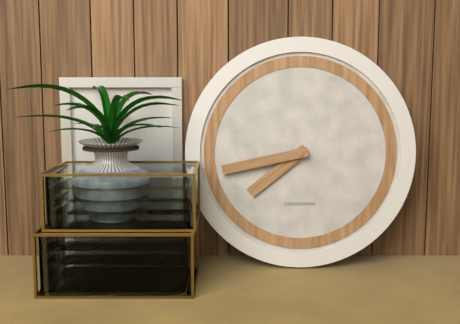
7:43
